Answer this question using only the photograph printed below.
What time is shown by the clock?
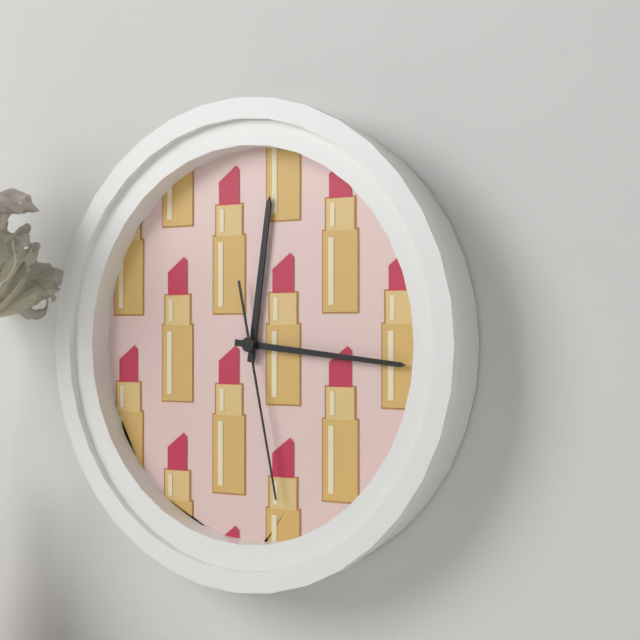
12:16:28
